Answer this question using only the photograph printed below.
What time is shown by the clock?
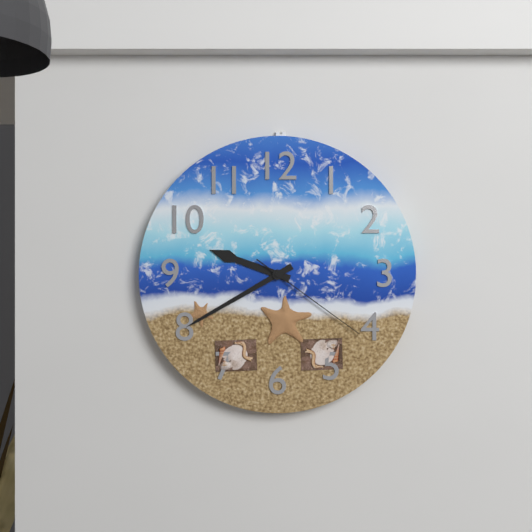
9:40:21
